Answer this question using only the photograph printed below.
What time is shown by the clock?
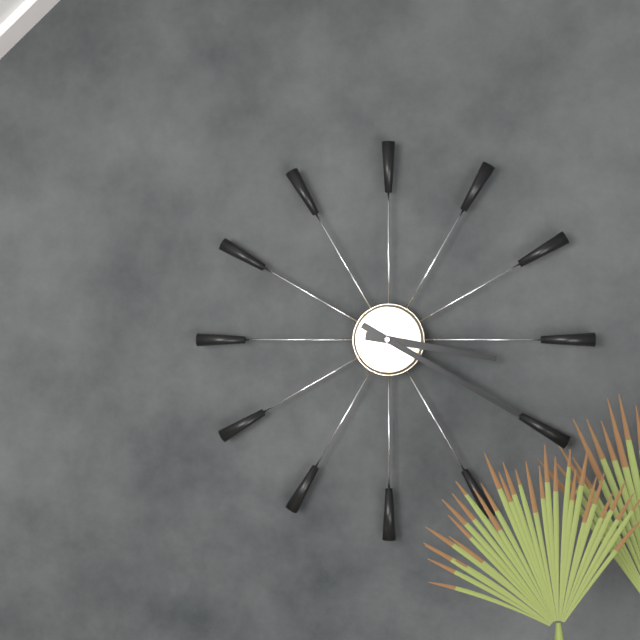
3:20
